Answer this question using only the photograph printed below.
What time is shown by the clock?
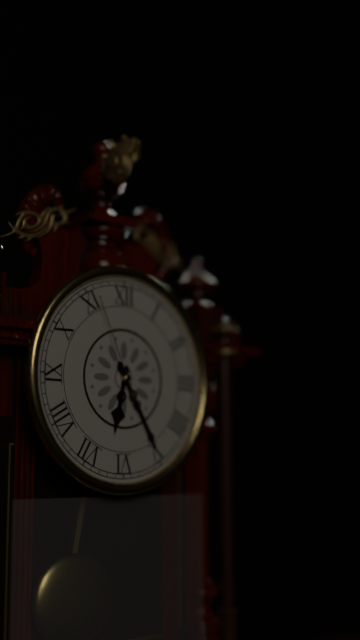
6:25:56
